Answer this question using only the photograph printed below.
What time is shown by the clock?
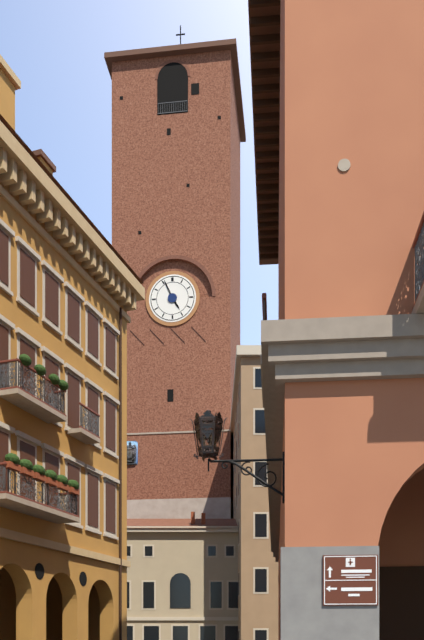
4:56
